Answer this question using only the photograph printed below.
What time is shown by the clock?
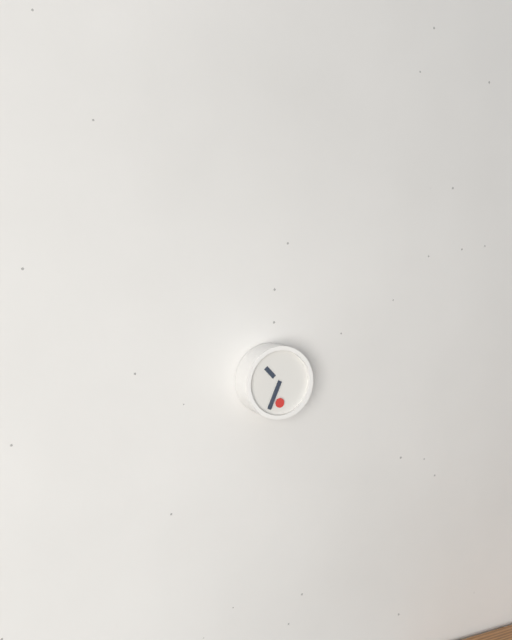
10:34
